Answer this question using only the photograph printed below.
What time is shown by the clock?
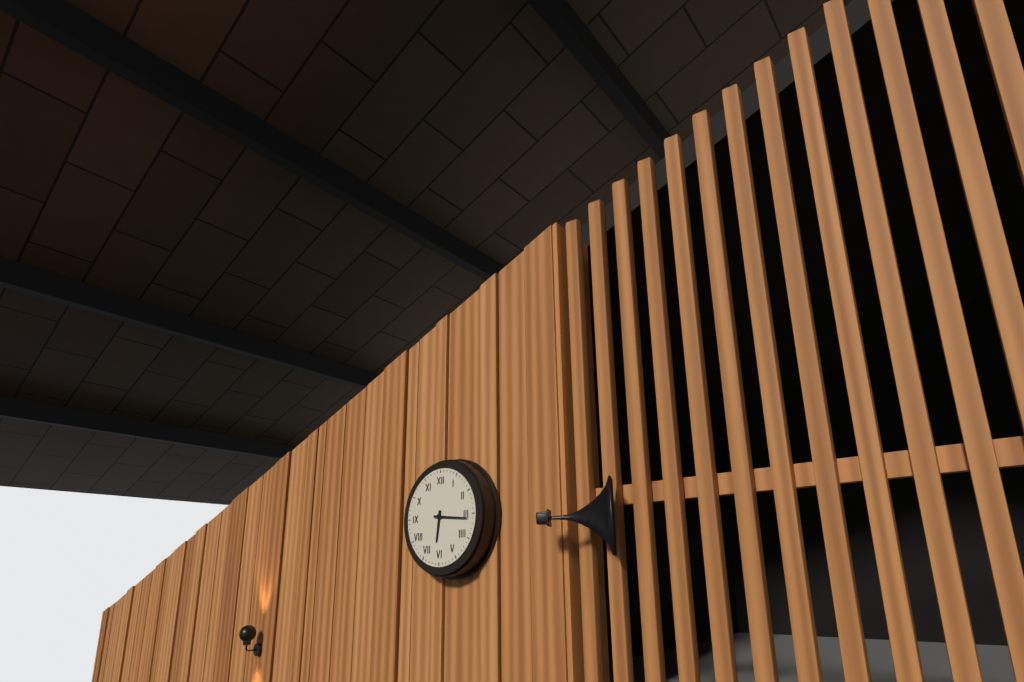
6:16
